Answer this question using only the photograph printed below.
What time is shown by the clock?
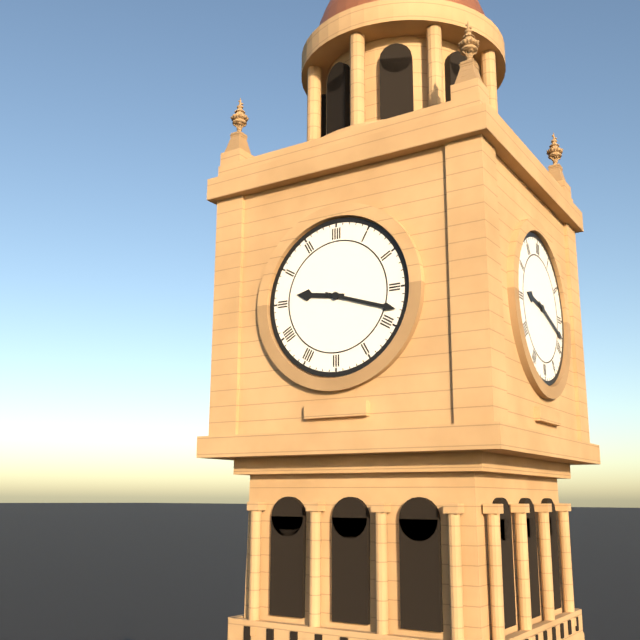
9:18
